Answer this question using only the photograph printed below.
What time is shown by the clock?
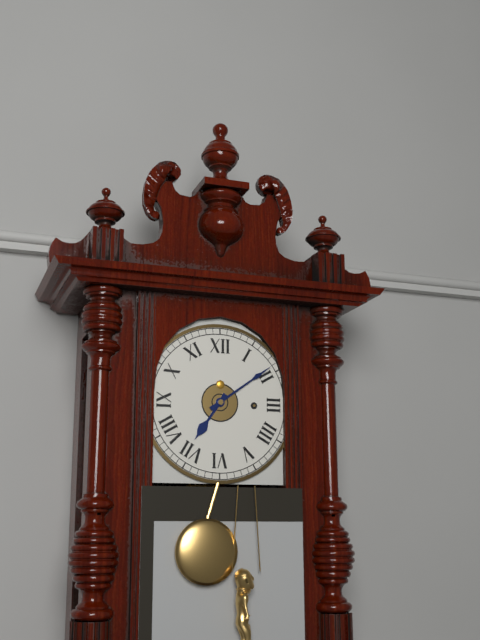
7:09
